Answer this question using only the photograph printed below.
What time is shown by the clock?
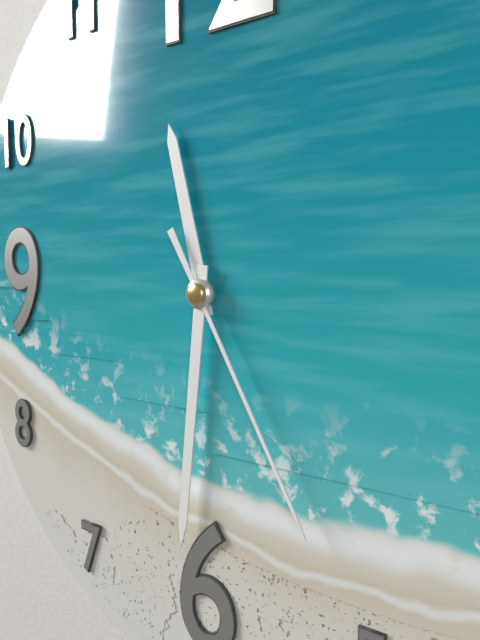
11:31:25
